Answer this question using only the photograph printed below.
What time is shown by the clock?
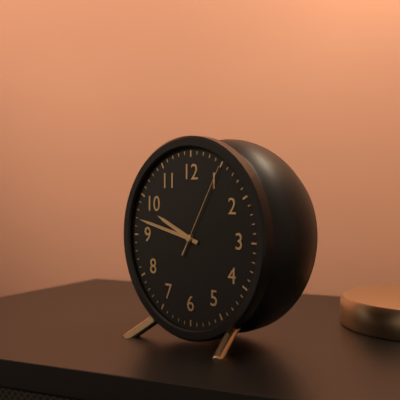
9:47:05
